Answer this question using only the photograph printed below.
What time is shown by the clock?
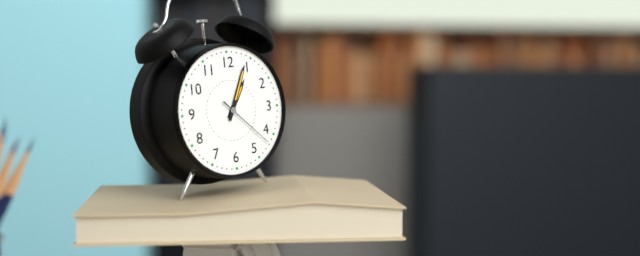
1:04:22
